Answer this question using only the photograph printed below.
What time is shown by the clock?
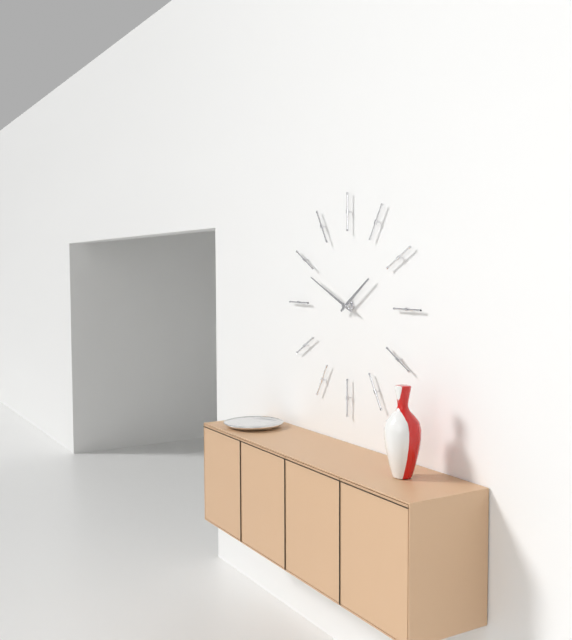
1:49
